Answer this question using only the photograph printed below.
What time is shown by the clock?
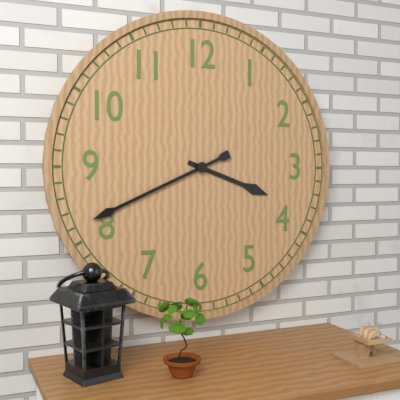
3:41
